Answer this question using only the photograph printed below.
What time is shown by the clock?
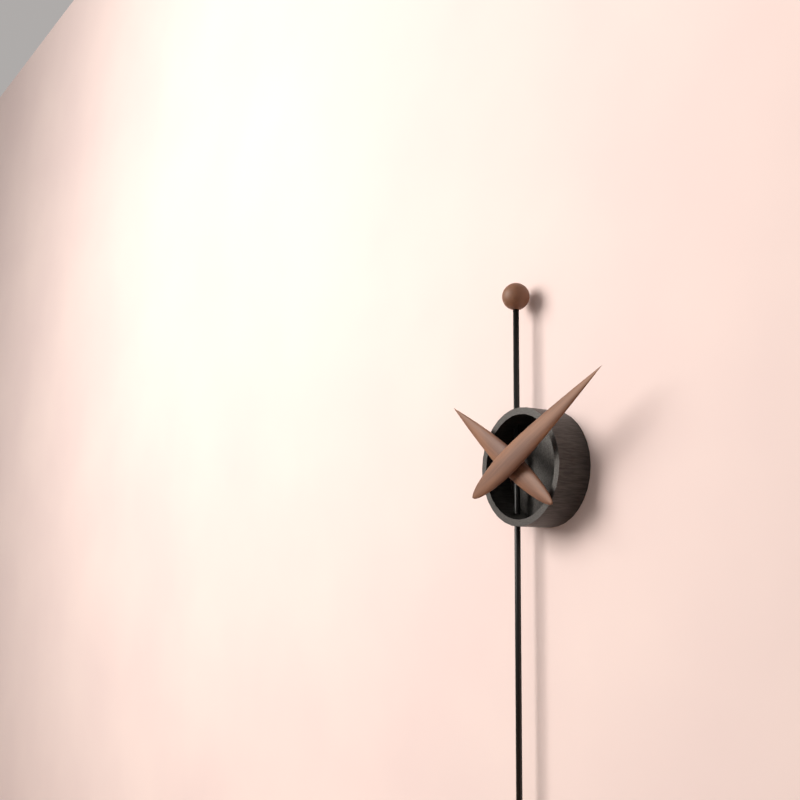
10:10
